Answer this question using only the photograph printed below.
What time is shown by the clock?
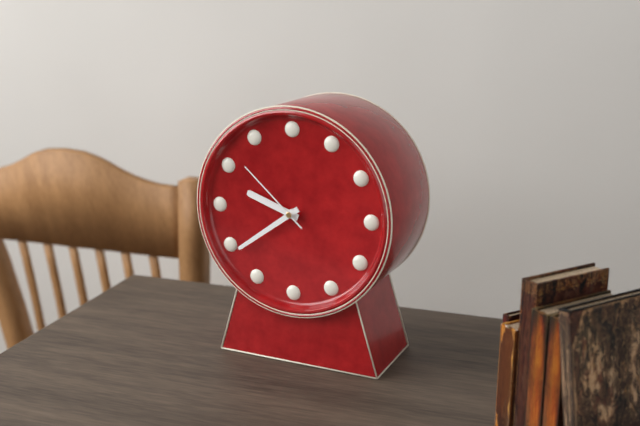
9:39:52
